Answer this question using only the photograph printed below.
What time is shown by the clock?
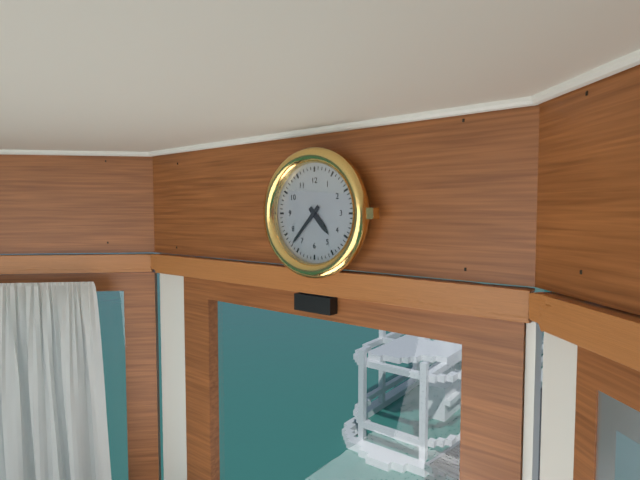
4:37
